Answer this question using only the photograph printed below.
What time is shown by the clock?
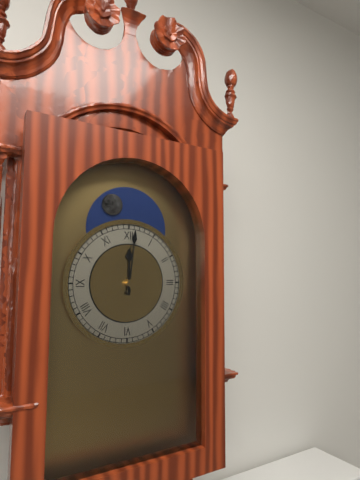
12:01
